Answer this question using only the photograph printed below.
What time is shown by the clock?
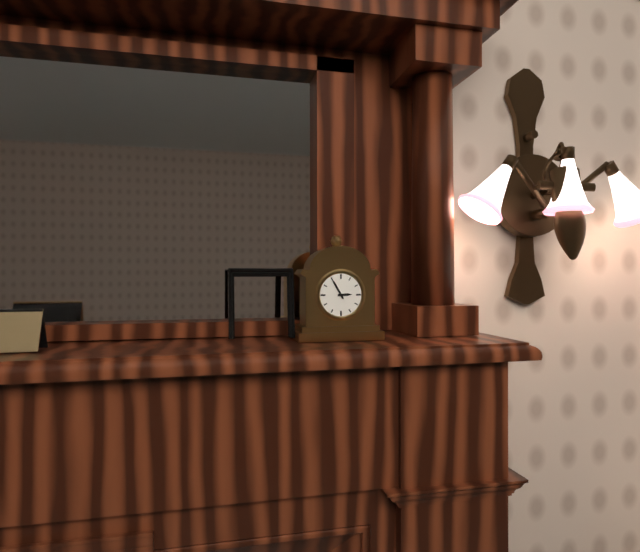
2:55
